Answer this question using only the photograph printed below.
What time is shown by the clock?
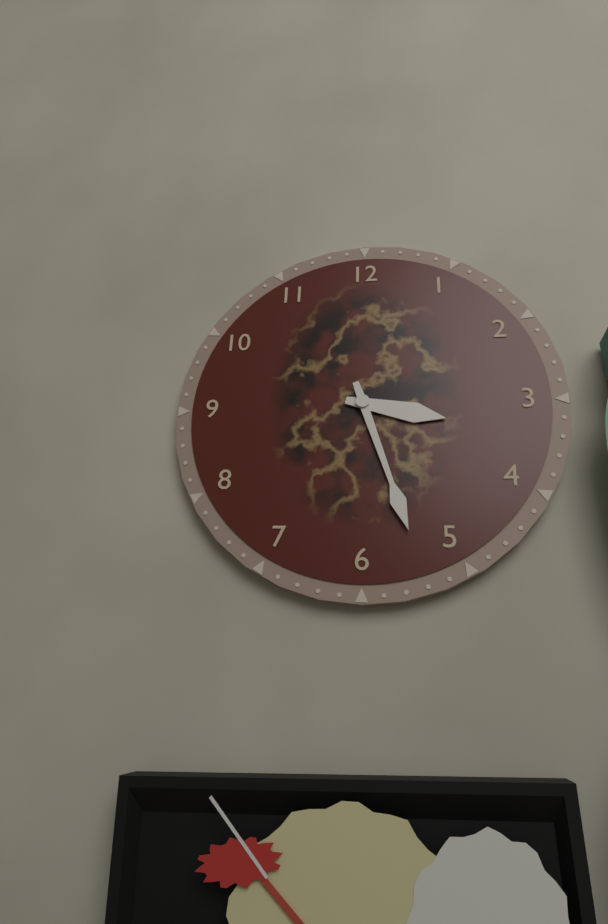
3:27
